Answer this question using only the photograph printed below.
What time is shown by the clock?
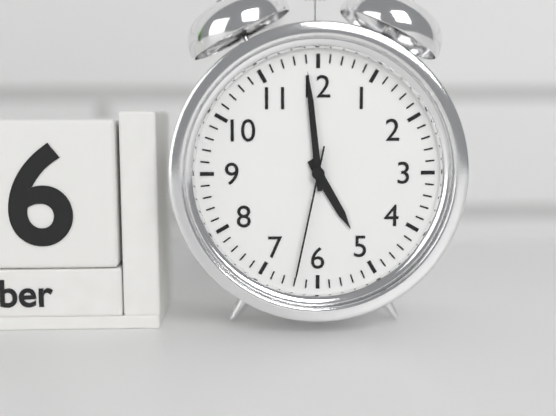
4:59:32
